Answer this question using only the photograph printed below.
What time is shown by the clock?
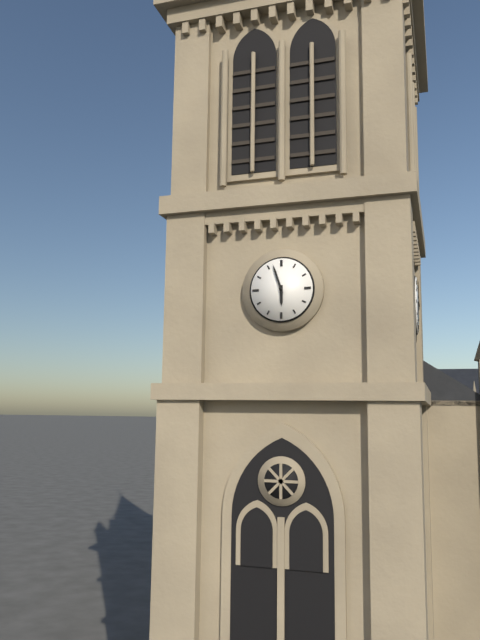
5:57
